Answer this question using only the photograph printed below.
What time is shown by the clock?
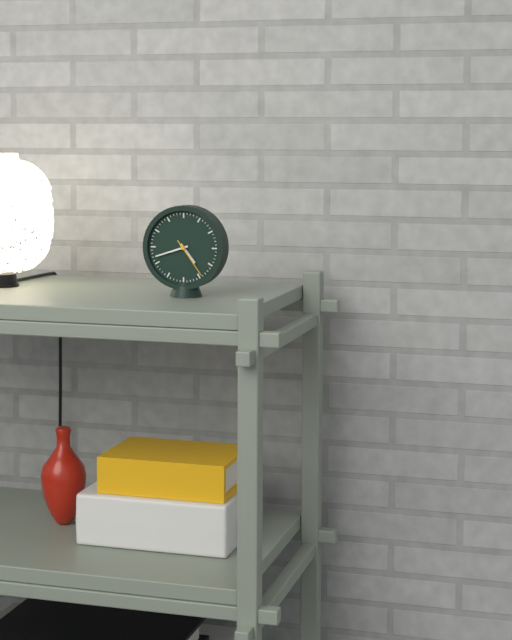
4:42
